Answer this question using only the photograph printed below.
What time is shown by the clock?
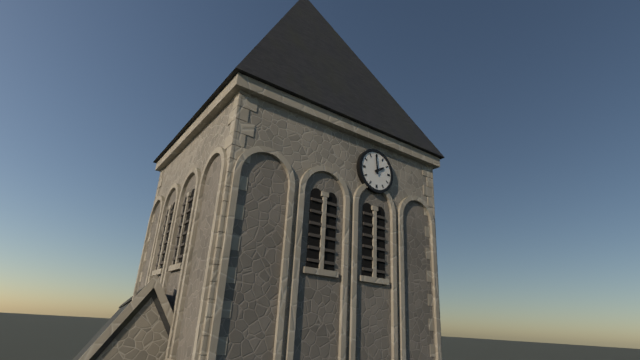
1:59
